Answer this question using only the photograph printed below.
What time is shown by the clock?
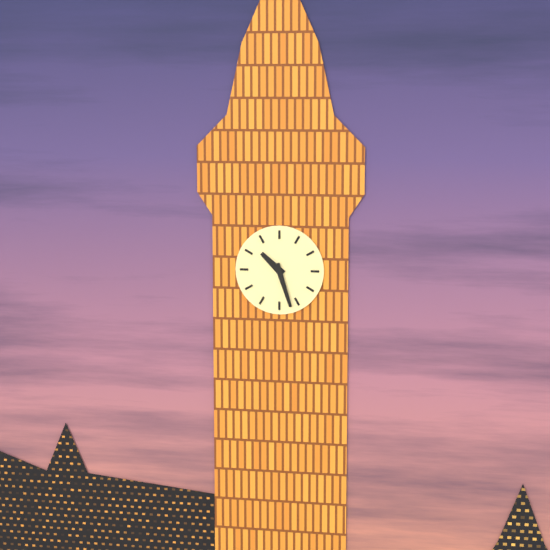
10:27
